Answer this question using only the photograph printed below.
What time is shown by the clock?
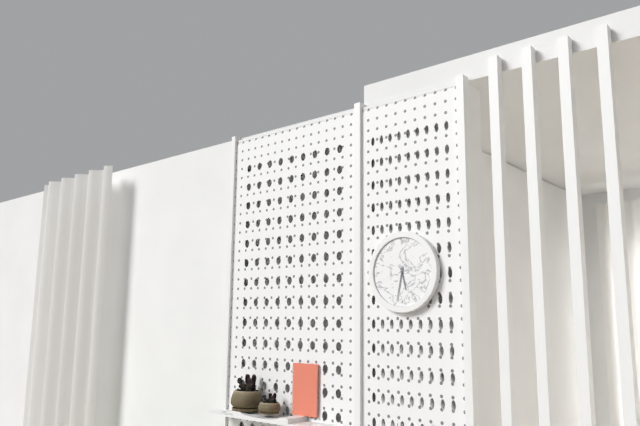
5:32
